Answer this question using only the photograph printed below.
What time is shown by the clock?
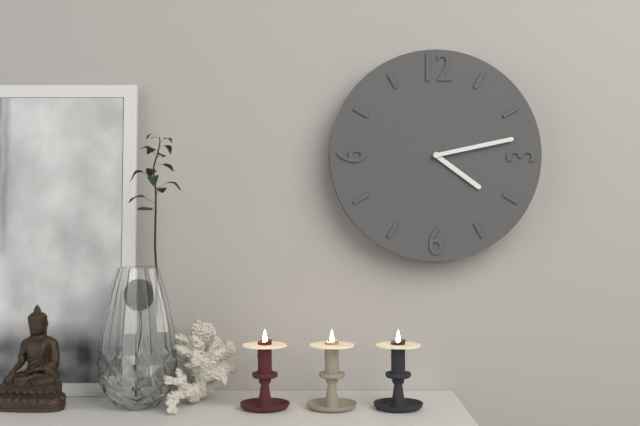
4:13
